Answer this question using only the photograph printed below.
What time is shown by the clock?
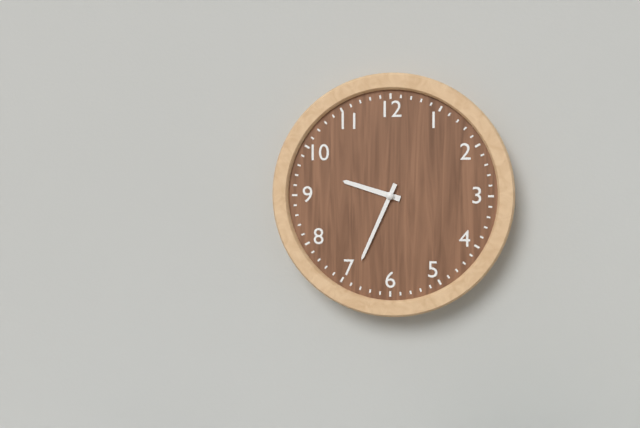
9:34
